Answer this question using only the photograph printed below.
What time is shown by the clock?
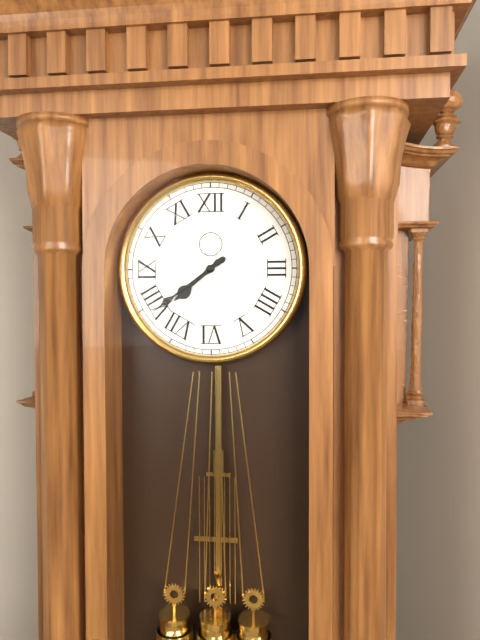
7:39
